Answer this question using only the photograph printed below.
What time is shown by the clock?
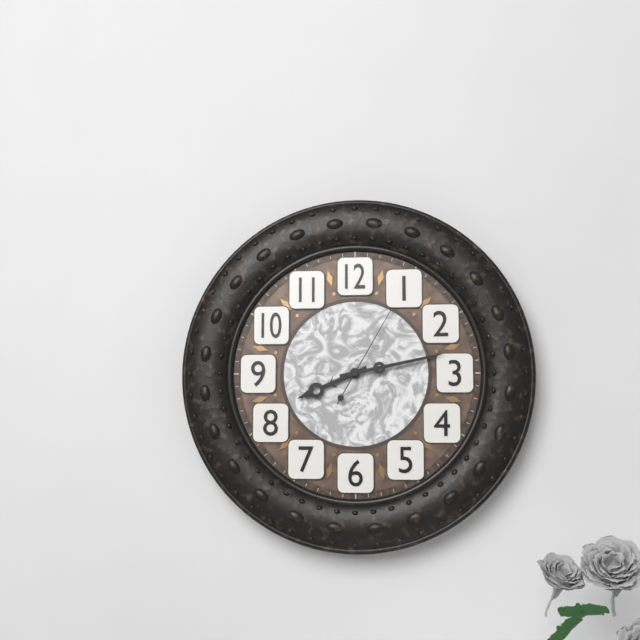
8:13:05
